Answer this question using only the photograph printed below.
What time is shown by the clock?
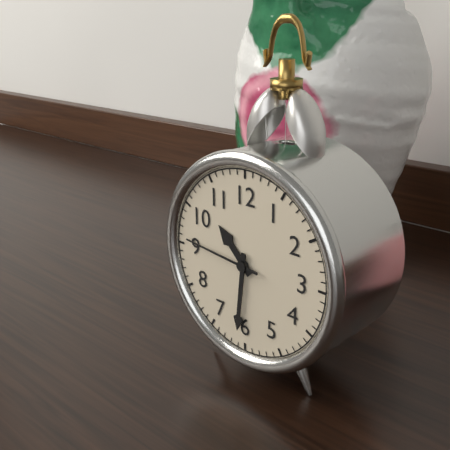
10:31:46
